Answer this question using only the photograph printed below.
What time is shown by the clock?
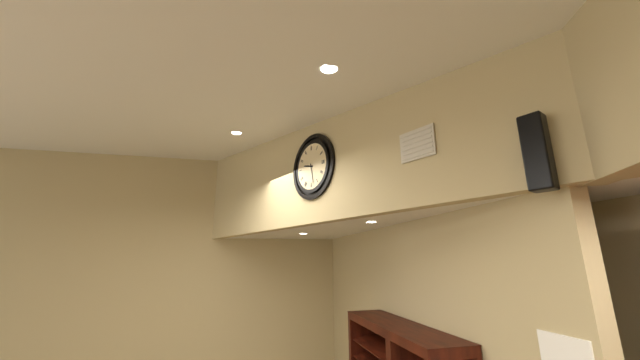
9:28
